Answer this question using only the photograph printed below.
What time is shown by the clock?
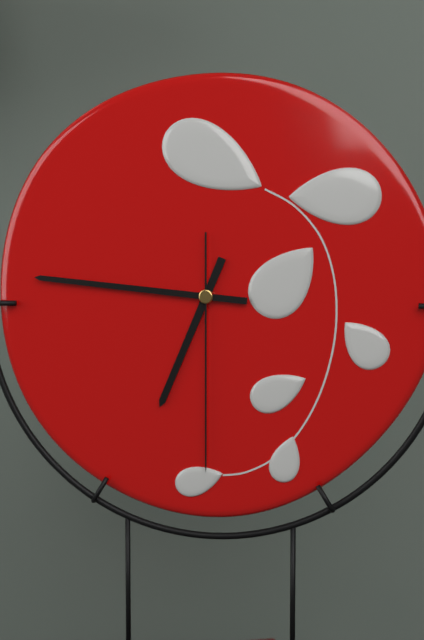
6:46:30
